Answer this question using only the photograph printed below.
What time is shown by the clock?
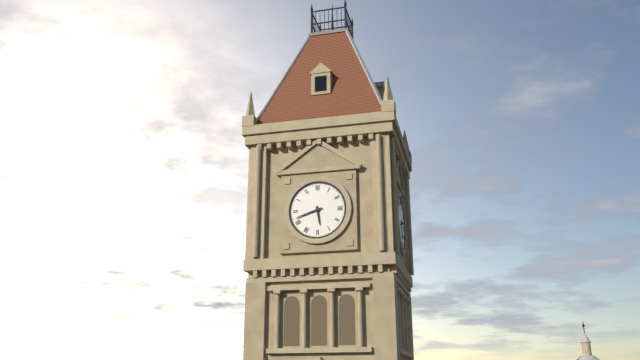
5:42
